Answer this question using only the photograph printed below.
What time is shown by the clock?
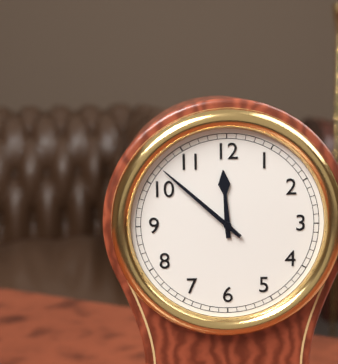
11:52
